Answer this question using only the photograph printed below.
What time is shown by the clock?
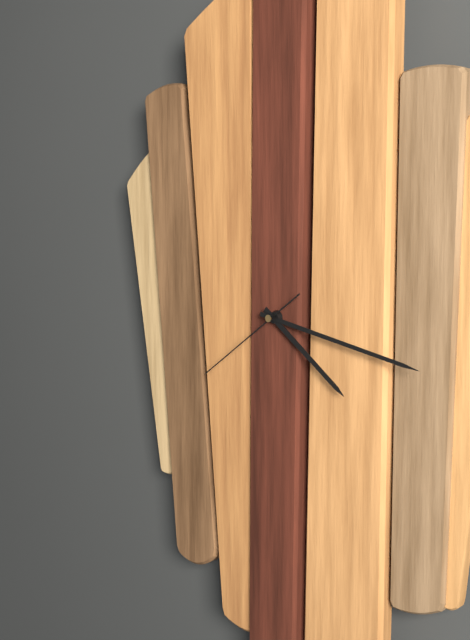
4:17:39
